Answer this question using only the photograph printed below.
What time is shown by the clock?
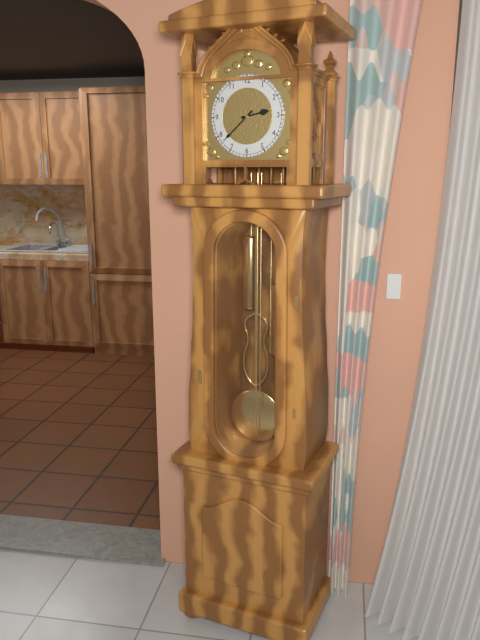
2:38
